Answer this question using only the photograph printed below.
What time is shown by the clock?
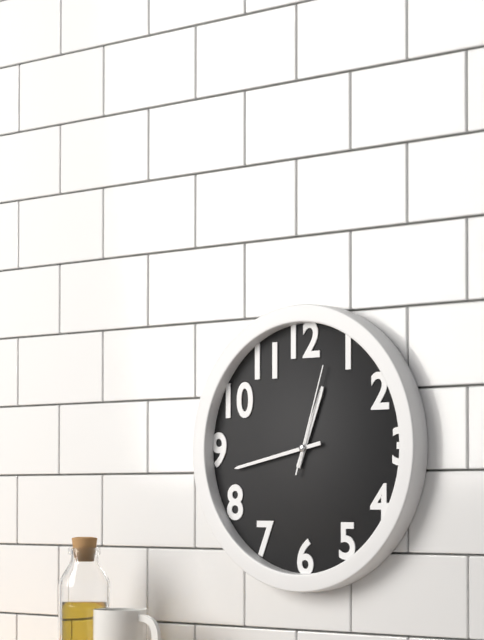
12:43:03
